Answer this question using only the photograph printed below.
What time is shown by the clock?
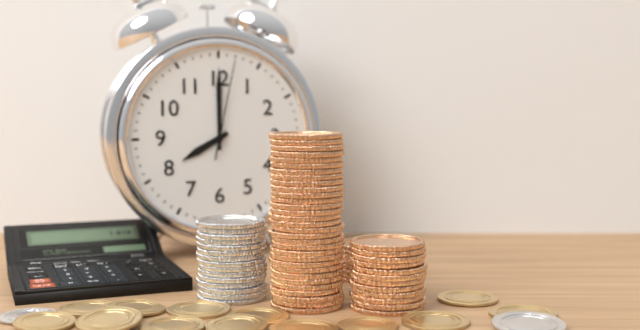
8:00:02
